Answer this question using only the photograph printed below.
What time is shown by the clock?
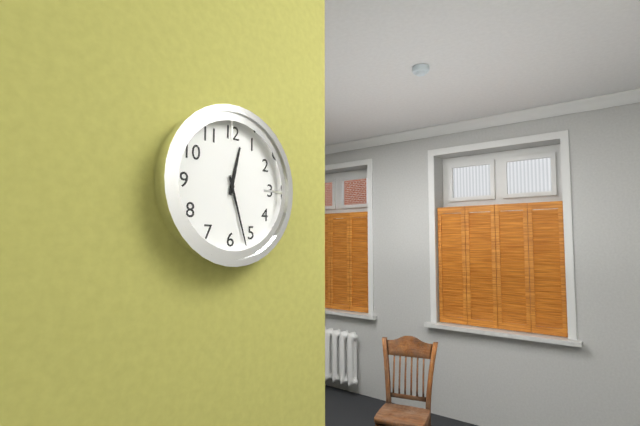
12:27
